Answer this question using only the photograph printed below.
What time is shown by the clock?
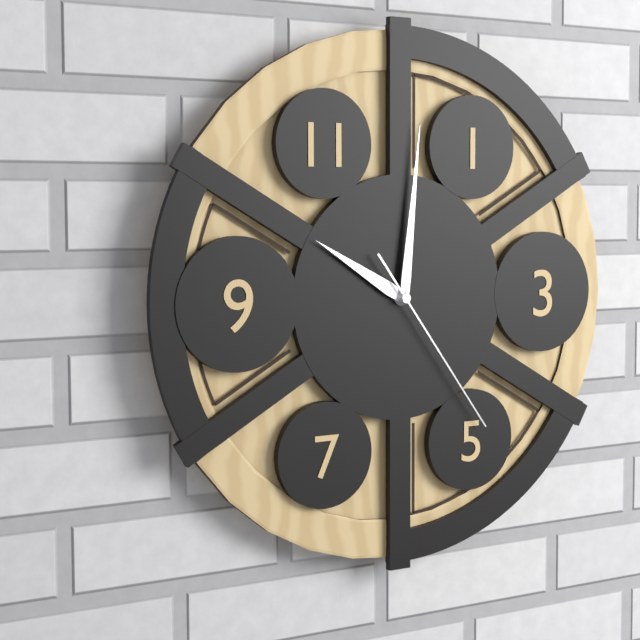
10:01:24
